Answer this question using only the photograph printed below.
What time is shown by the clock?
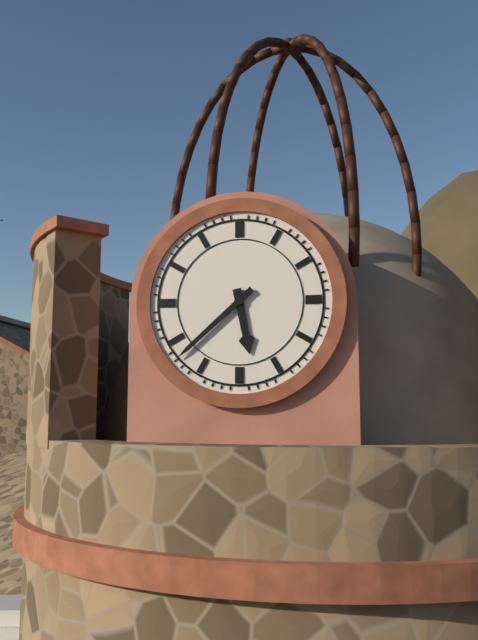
5:38
